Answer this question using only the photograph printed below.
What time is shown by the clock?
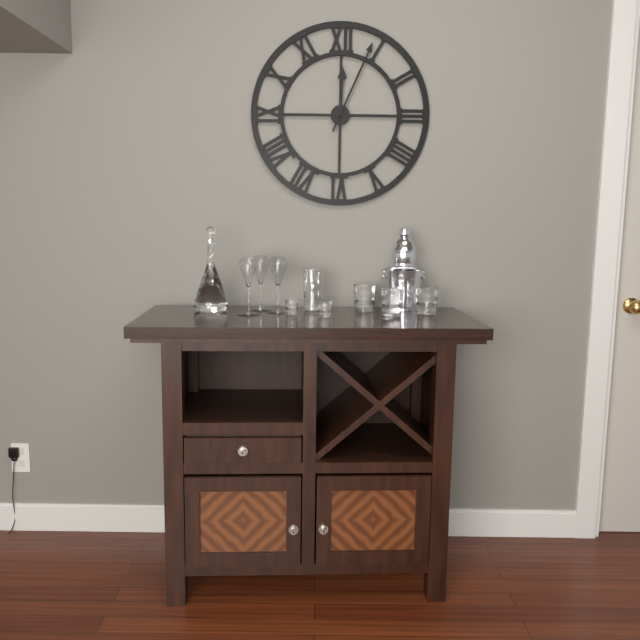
12:04
